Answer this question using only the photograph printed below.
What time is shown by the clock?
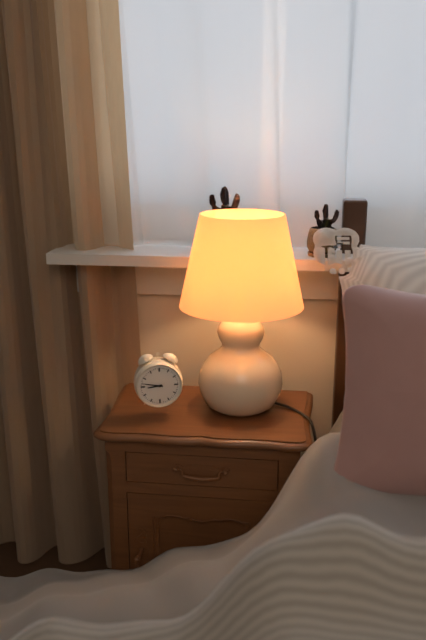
8:47
